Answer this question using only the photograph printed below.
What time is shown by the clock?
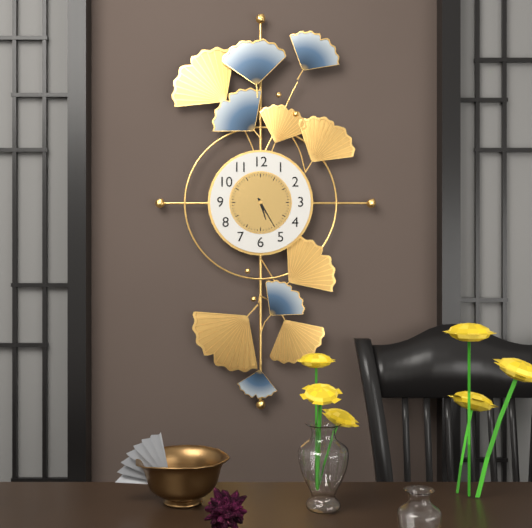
5:25
